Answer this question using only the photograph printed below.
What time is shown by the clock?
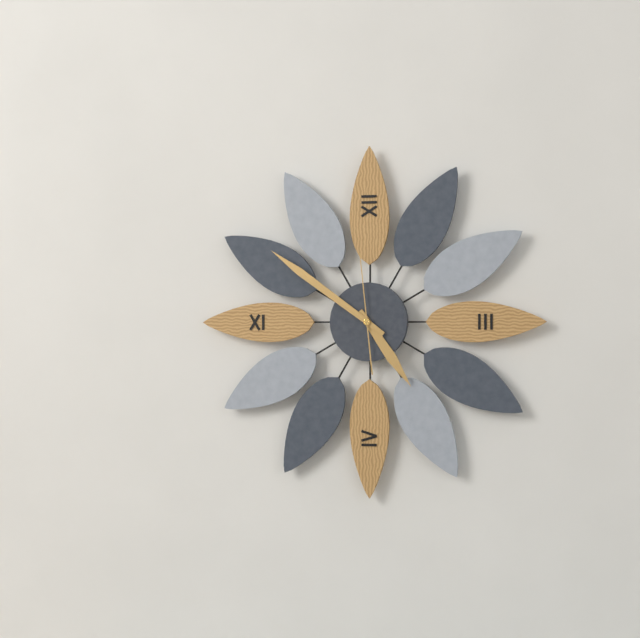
4:51:59
